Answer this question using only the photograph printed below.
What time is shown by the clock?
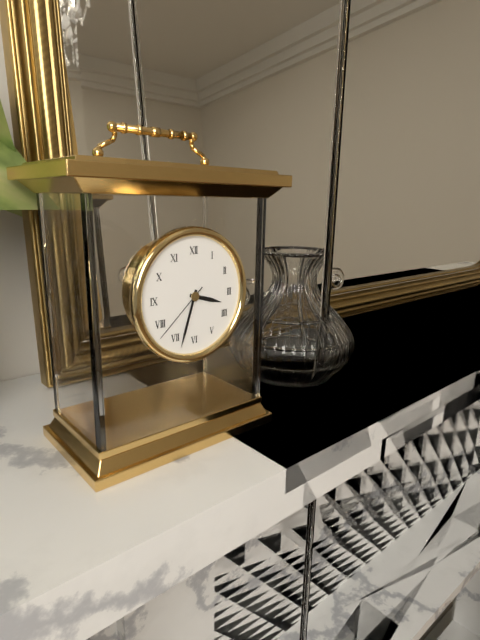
3:33:38
